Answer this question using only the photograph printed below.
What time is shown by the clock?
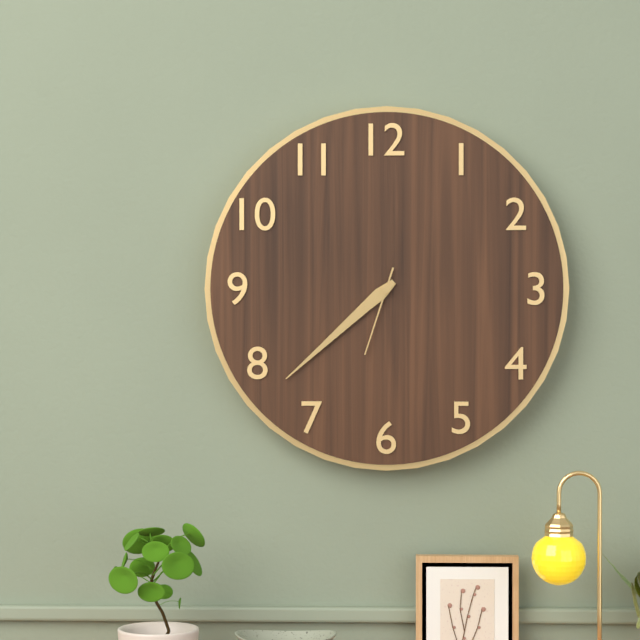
7:38:33
